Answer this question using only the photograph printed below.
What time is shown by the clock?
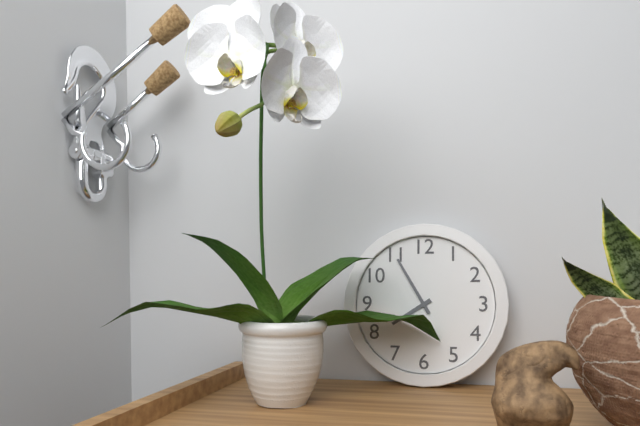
7:55
